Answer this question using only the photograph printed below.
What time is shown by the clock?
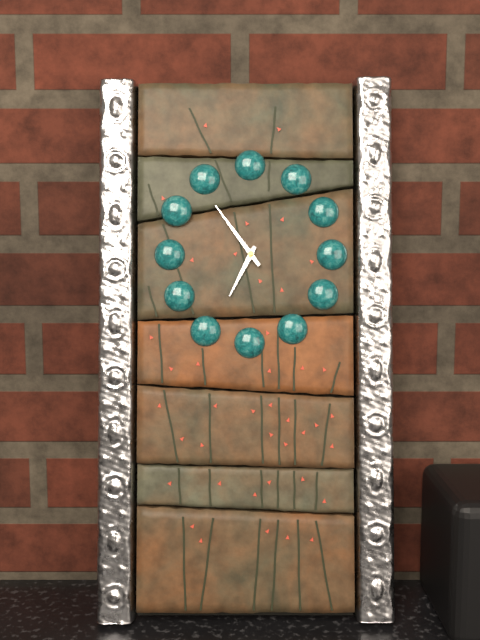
6:54
